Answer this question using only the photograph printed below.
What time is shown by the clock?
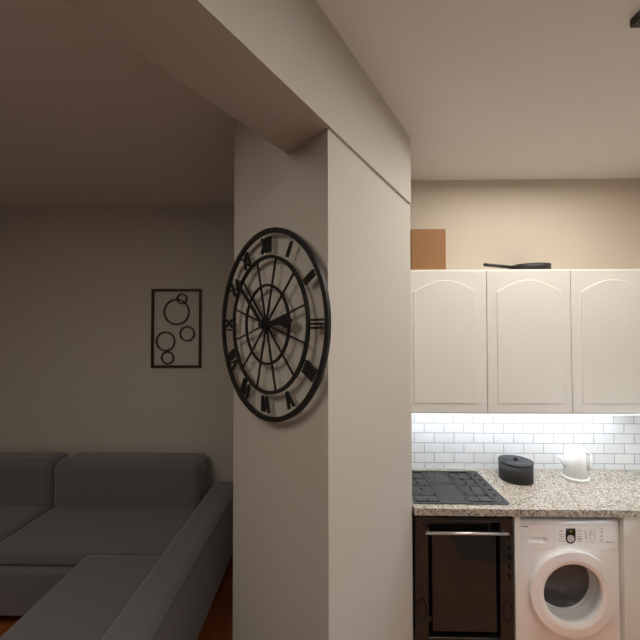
2:52
